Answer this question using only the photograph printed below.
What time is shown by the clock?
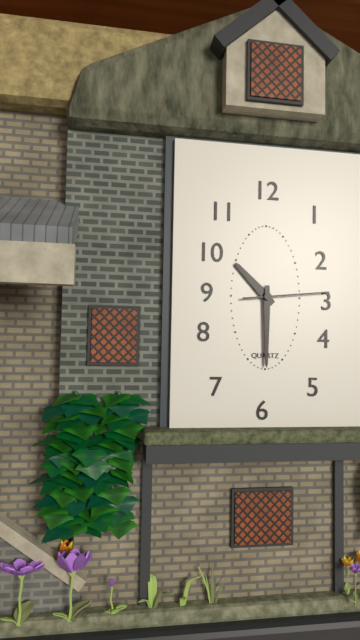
10:30:14
